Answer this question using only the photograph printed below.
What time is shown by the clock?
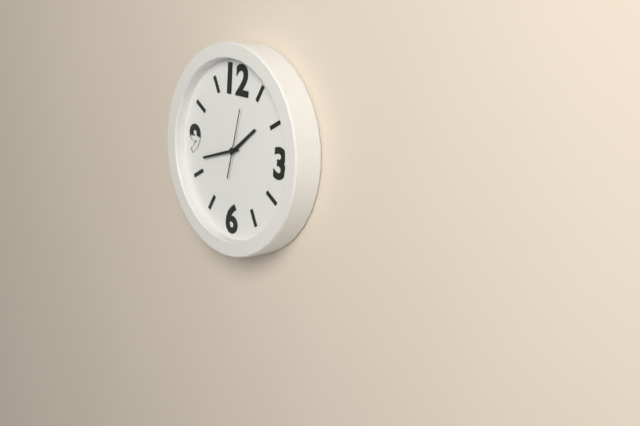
1:42:02
